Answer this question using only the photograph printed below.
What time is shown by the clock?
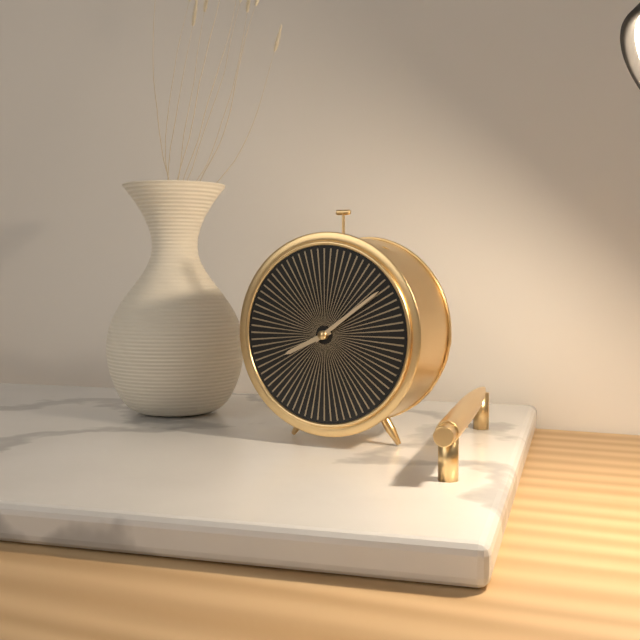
8:09
